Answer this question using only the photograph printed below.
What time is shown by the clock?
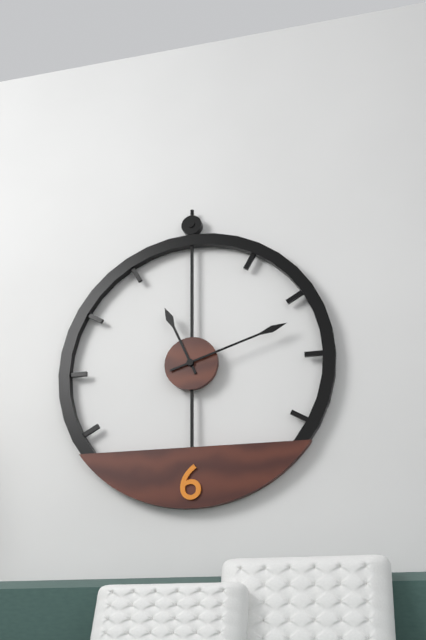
11:12
